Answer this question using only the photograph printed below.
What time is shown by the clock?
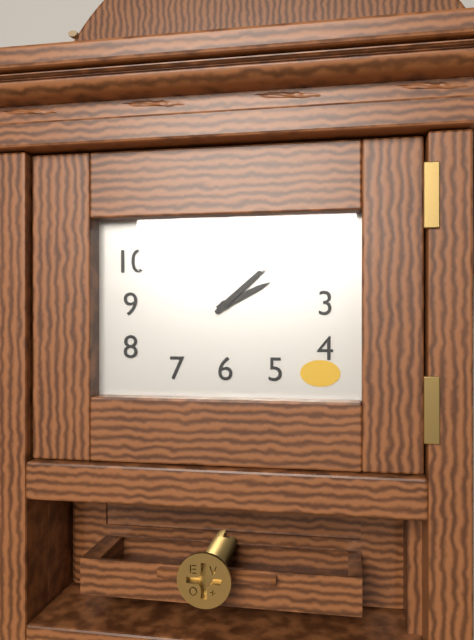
2:08
